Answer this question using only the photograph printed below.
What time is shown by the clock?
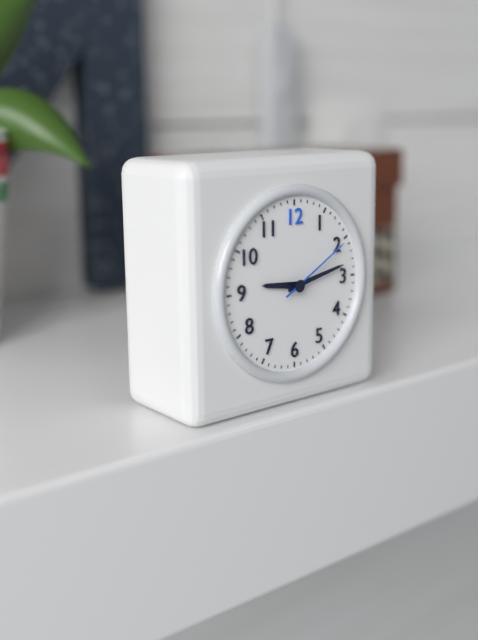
9:13:10
